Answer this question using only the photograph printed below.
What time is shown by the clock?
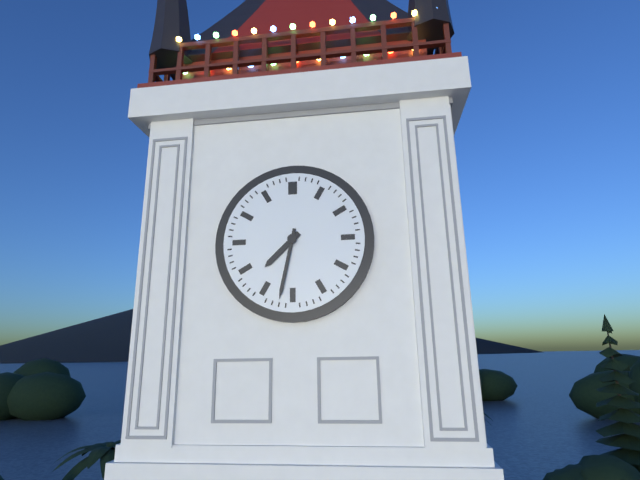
7:32
